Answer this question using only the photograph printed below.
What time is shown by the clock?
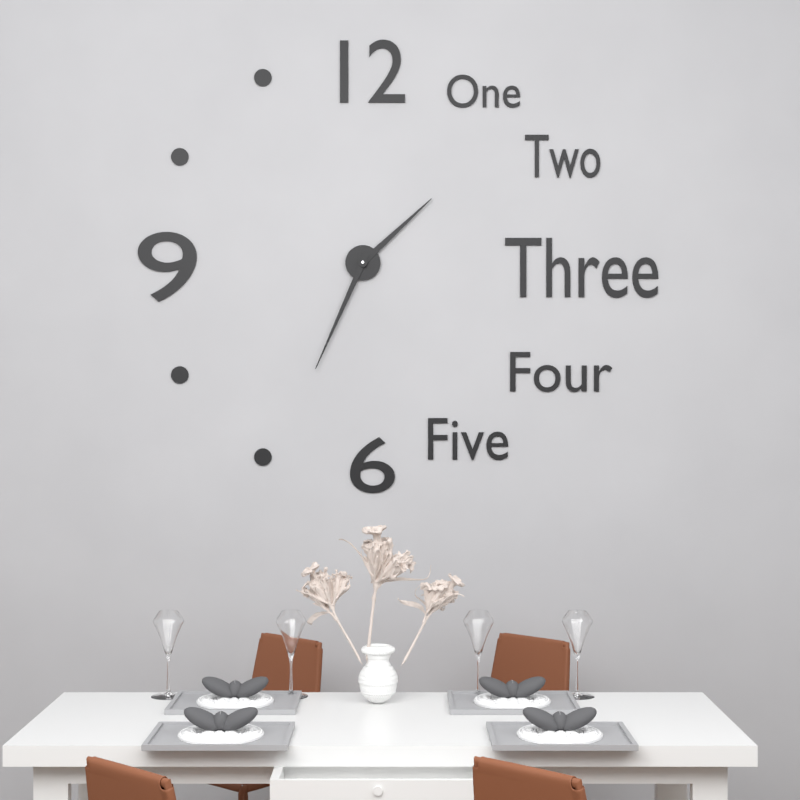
1:34
